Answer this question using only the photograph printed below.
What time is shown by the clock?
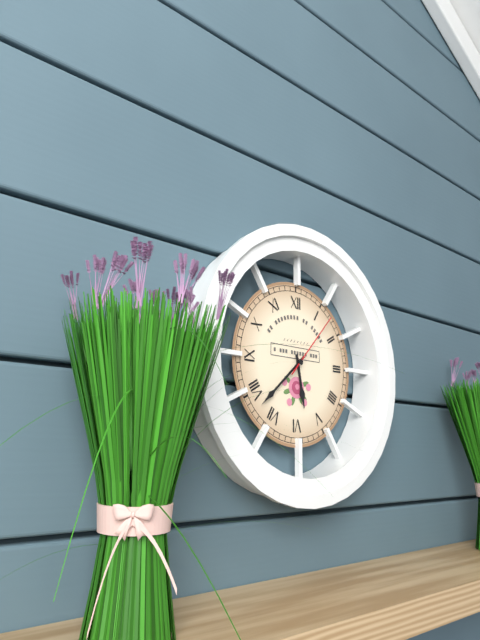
5:38:07
